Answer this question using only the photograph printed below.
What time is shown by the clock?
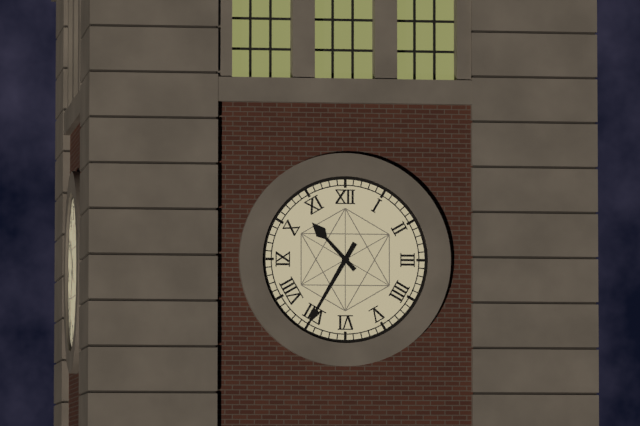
10:35
